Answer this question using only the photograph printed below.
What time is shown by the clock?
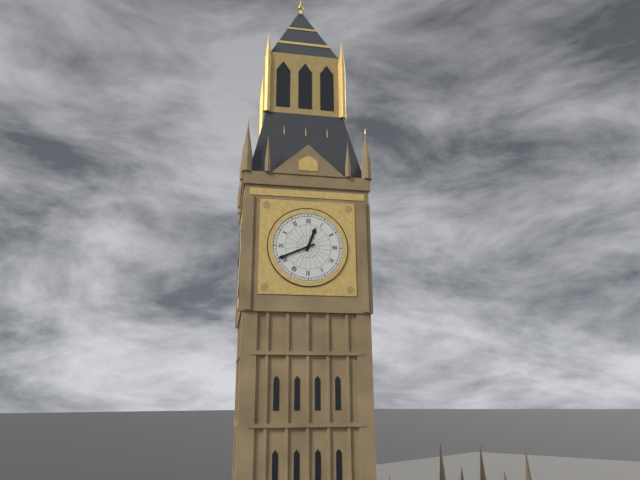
12:41
